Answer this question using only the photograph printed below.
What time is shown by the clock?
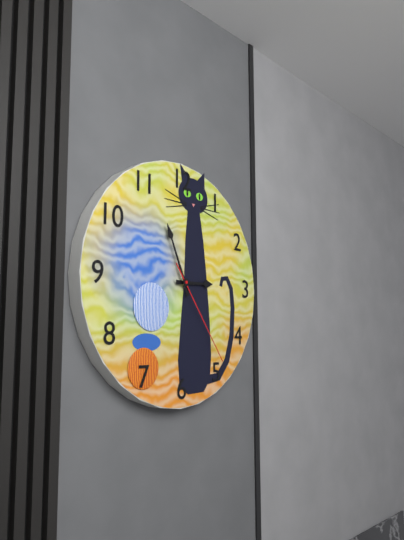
2:56:24
